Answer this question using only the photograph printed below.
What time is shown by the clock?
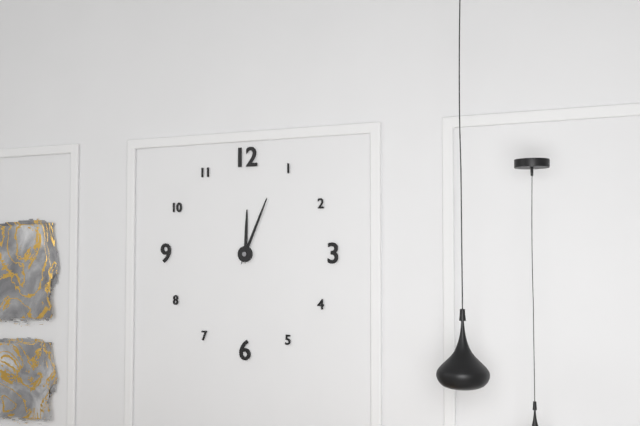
12:04
